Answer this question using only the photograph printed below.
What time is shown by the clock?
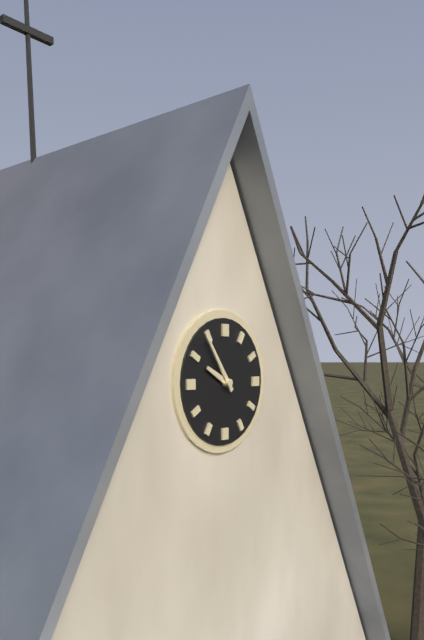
9:54
